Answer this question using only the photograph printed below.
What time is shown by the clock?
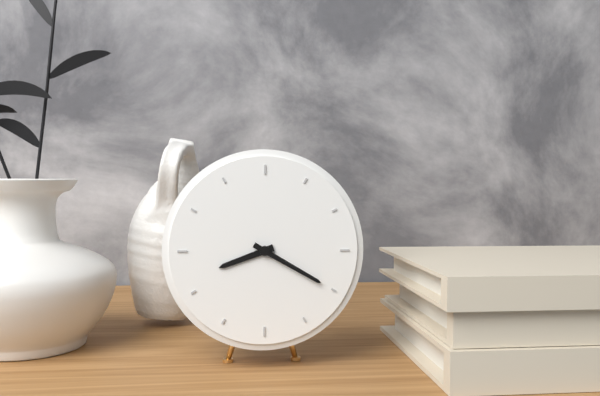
8:20
